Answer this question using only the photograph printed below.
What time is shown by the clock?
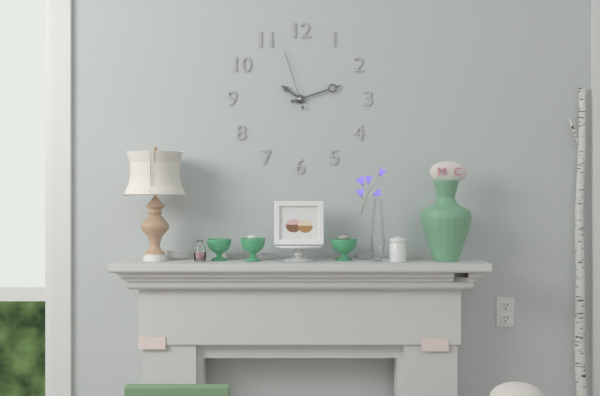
10:12:57
